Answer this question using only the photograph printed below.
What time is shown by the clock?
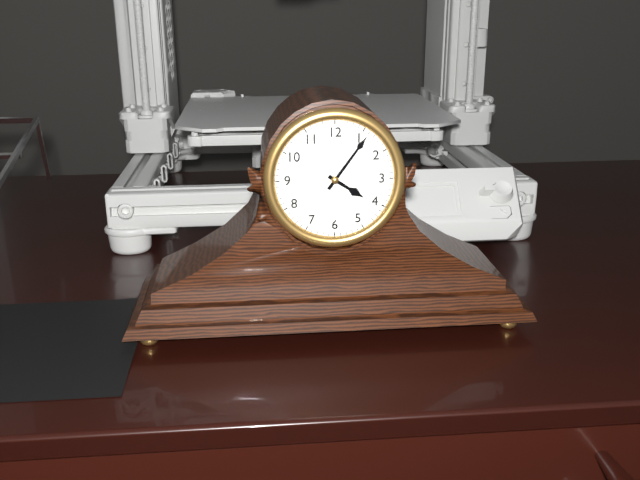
4:06
